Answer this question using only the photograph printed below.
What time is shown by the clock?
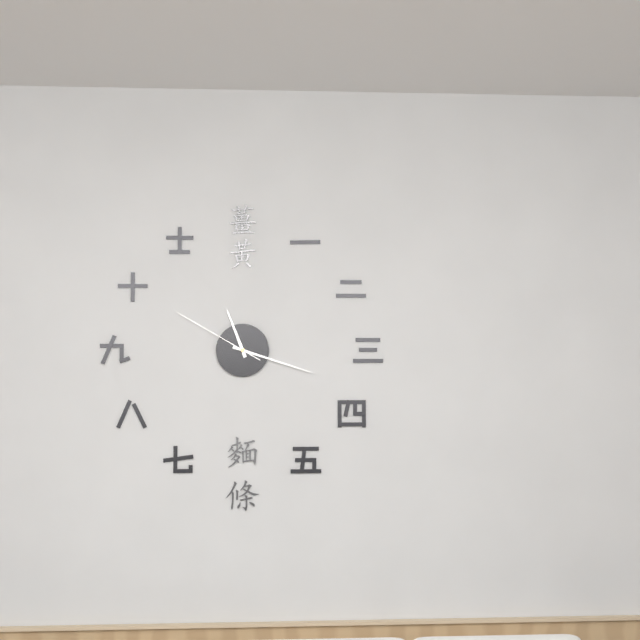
11:18:50
